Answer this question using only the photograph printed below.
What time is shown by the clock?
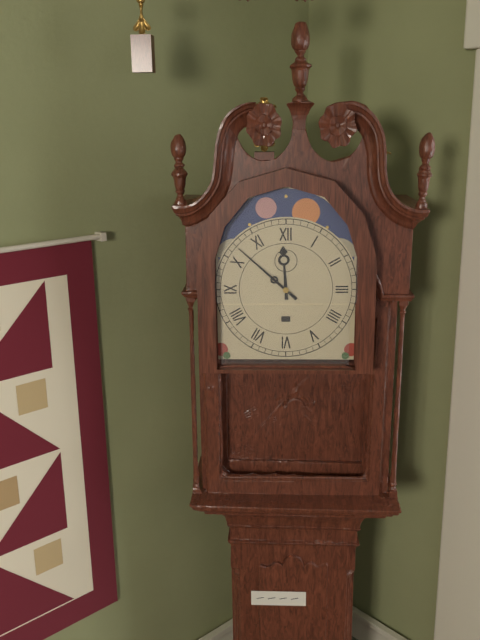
11:52
